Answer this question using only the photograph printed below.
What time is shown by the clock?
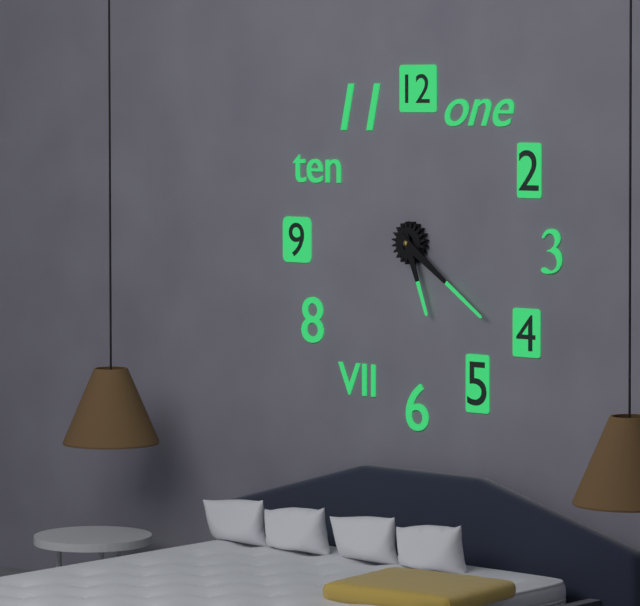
5:21
